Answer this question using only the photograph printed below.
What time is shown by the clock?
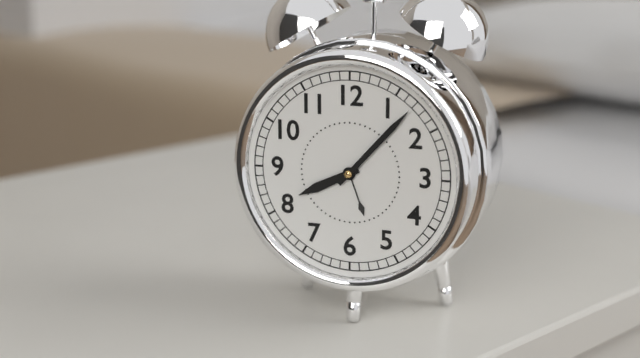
8:07
